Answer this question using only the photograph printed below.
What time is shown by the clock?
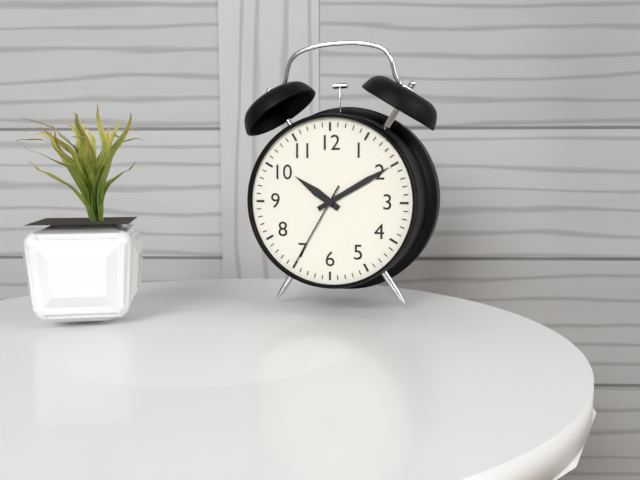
10:10:35
